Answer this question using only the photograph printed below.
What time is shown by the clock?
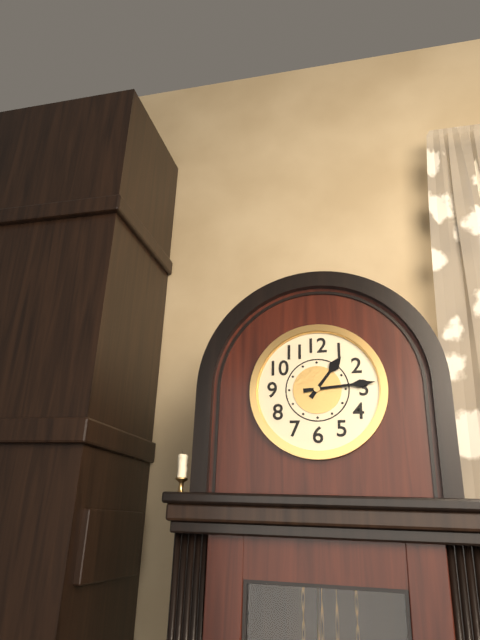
1:14
